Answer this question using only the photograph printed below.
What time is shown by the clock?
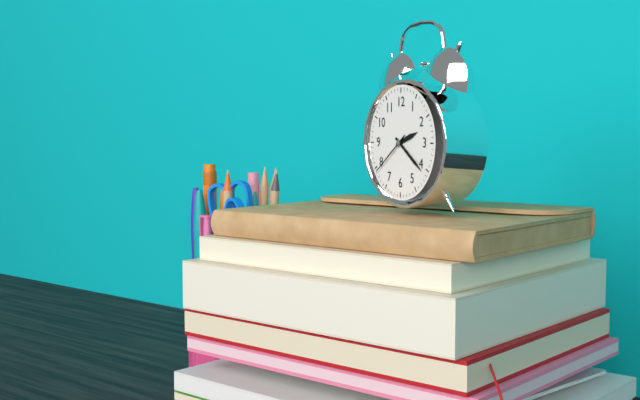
2:21
